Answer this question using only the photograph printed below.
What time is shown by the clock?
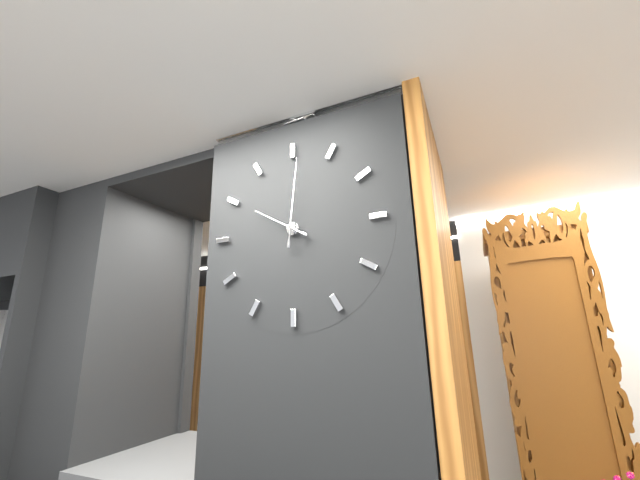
10:01
